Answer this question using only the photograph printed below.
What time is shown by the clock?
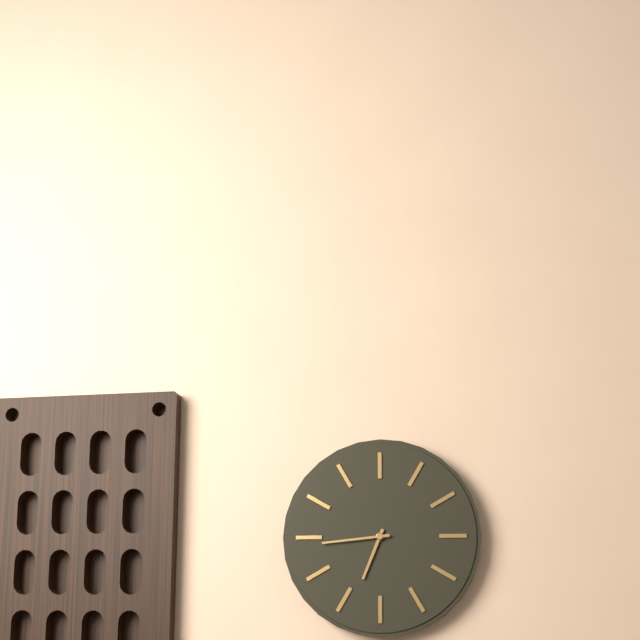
6:44
